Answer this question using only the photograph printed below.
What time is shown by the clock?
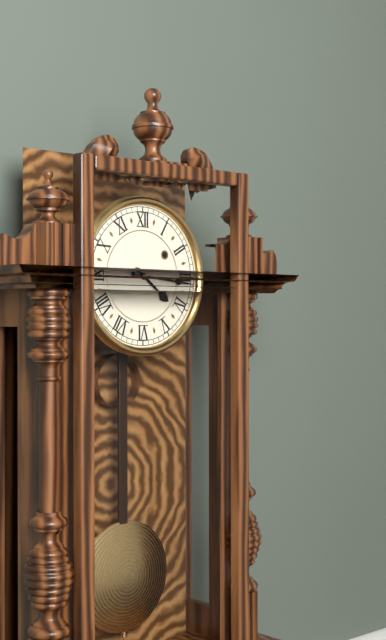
4:16
